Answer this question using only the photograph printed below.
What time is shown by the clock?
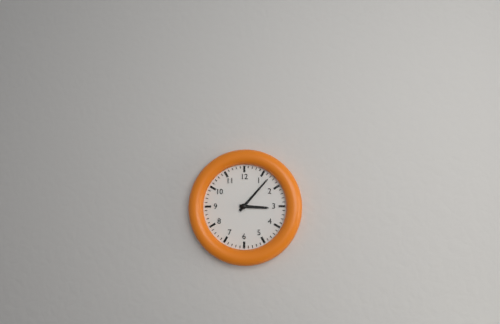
3:07
